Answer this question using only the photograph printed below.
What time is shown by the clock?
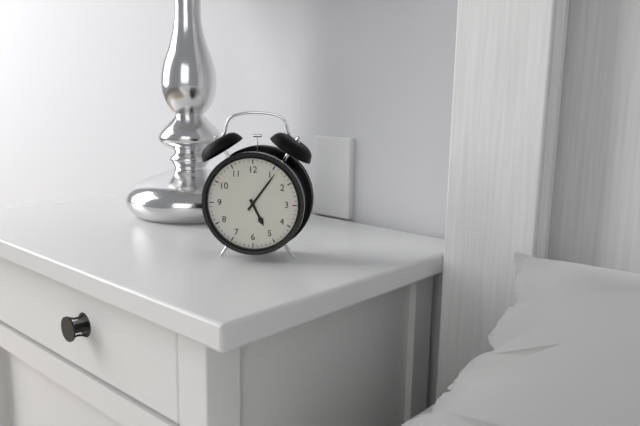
5:06
